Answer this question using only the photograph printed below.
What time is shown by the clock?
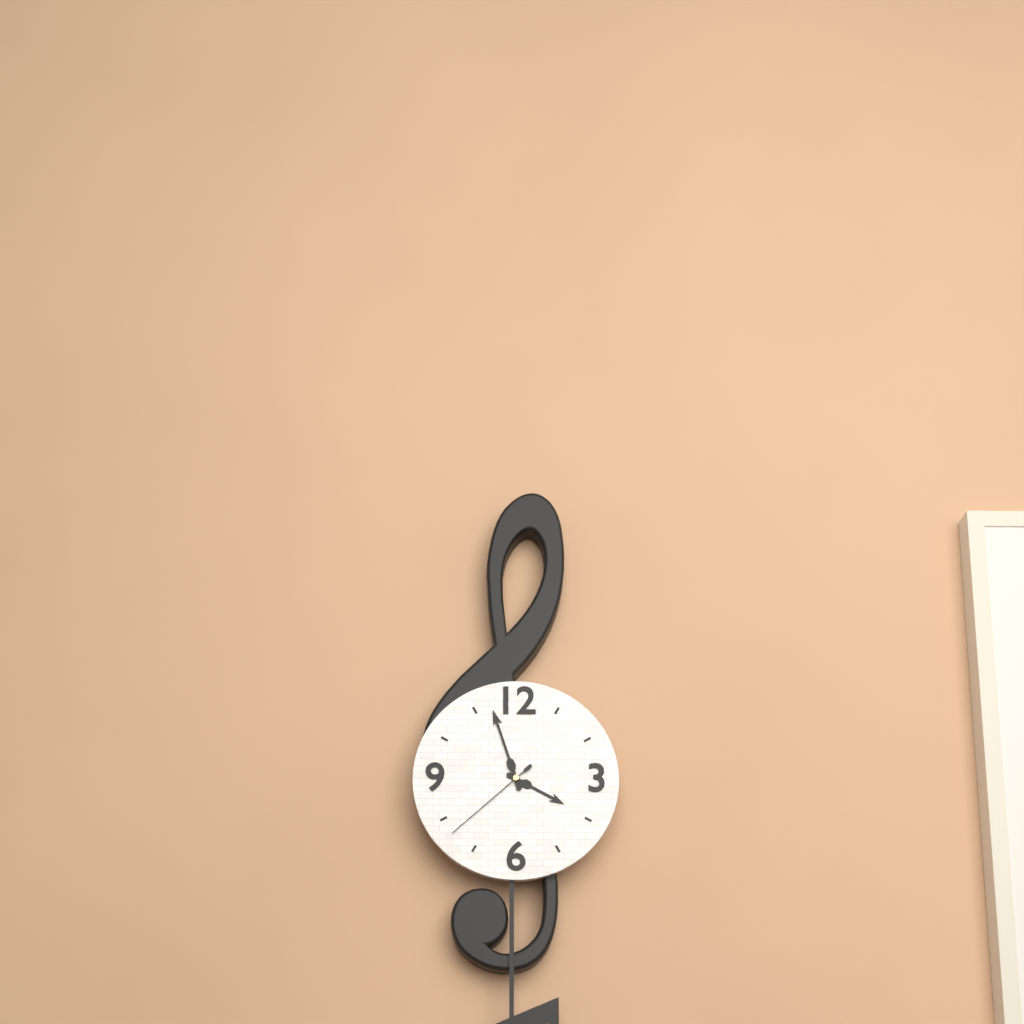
3:57:38
